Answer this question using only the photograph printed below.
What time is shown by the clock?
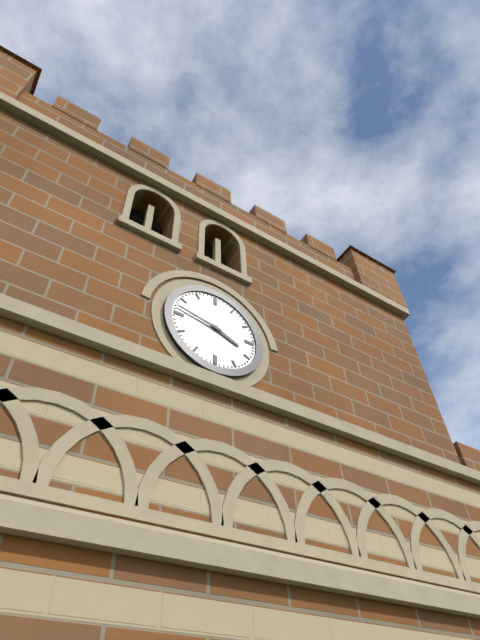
3:47
